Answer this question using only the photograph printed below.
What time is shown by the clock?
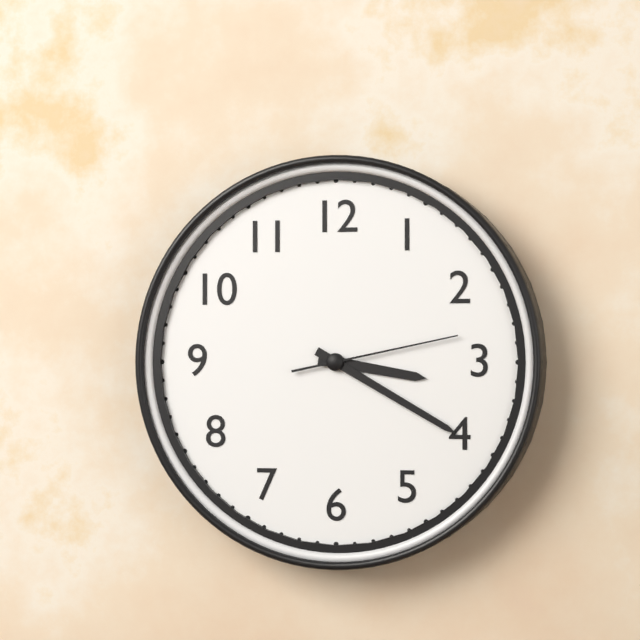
3:20:13
